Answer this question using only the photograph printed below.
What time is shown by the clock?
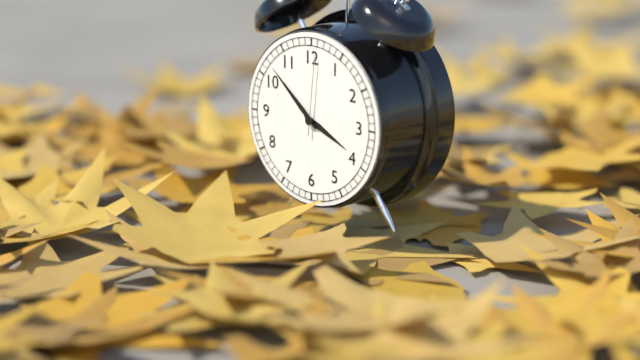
3:52:01
